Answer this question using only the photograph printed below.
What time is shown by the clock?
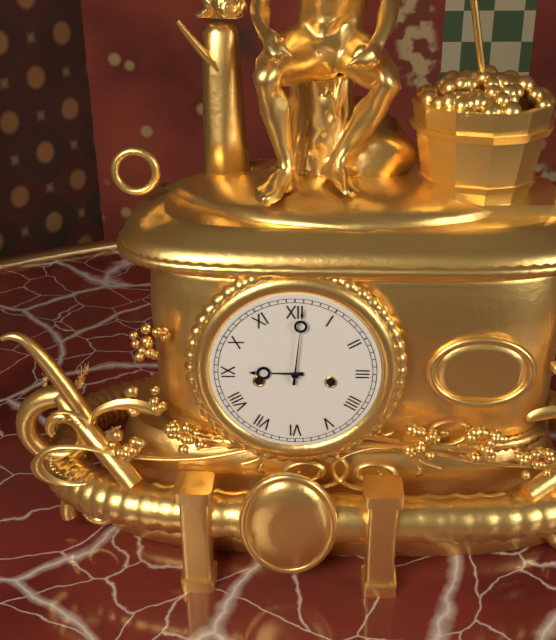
9:01
